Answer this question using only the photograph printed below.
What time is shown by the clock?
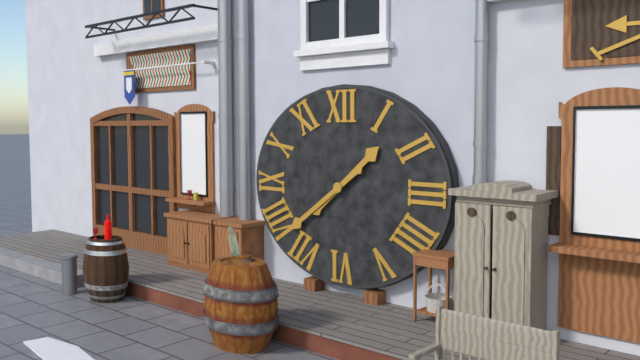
1:39
